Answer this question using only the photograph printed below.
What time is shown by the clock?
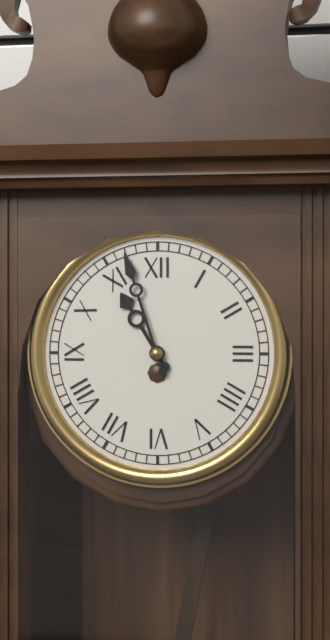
10:57
